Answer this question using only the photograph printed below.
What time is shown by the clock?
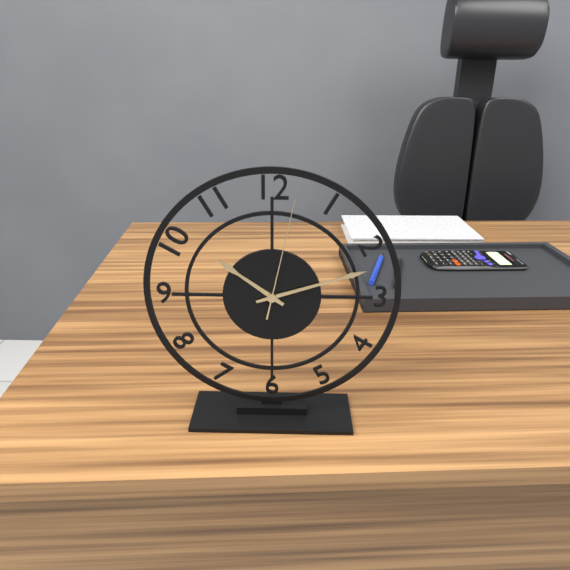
10:12:02
